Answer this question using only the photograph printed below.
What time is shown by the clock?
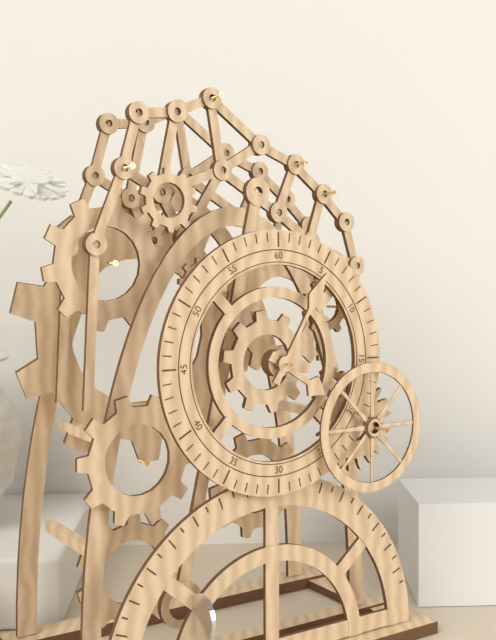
4:05
